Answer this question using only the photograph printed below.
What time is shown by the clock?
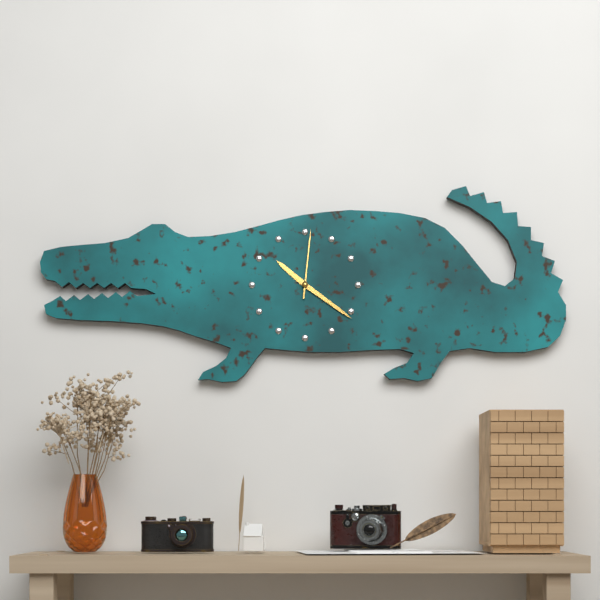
10:21:01
